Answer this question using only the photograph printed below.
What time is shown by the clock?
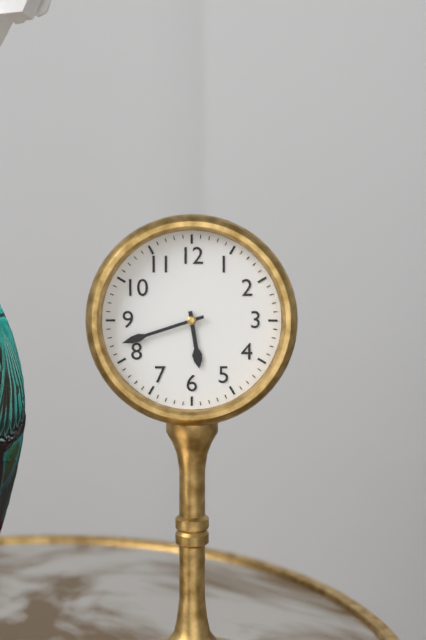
5:42
